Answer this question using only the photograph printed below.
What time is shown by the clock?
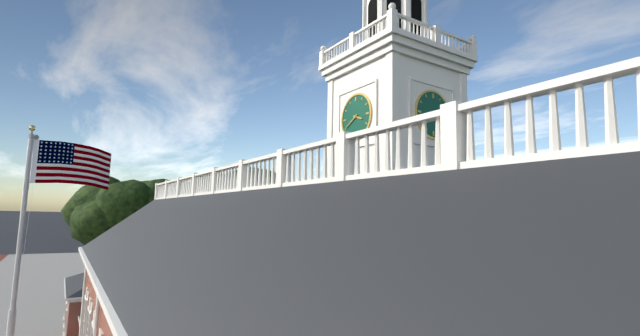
3:40
